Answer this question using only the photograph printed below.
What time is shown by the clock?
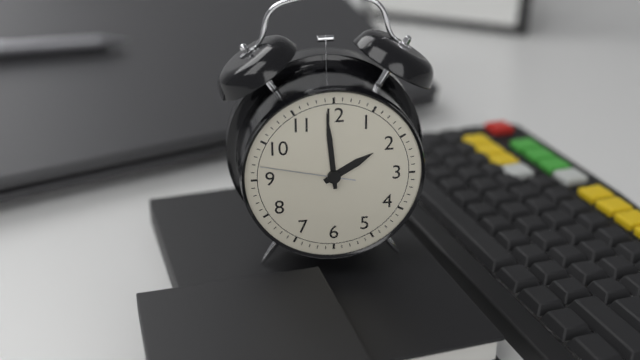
1:59:47
